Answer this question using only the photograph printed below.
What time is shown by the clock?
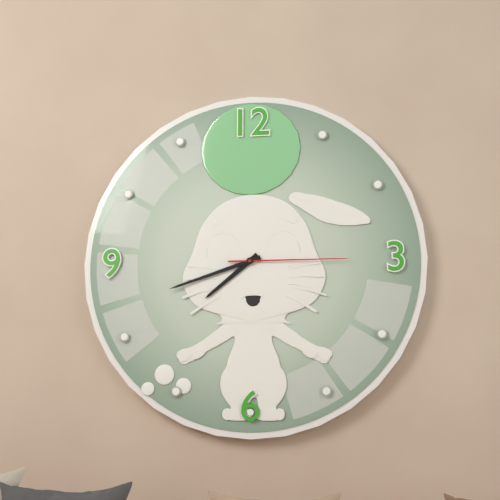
7:42:15
